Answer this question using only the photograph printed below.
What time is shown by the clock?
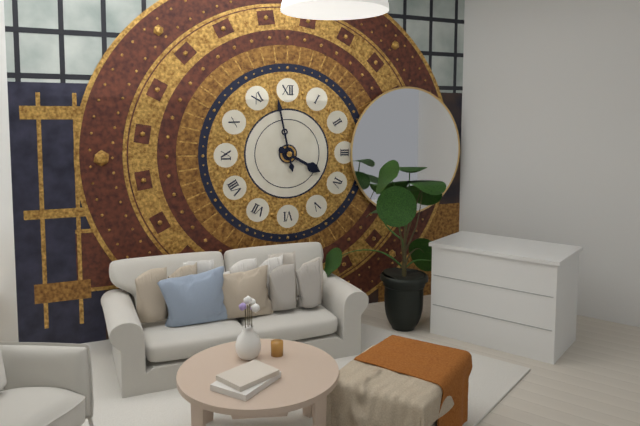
3:58
